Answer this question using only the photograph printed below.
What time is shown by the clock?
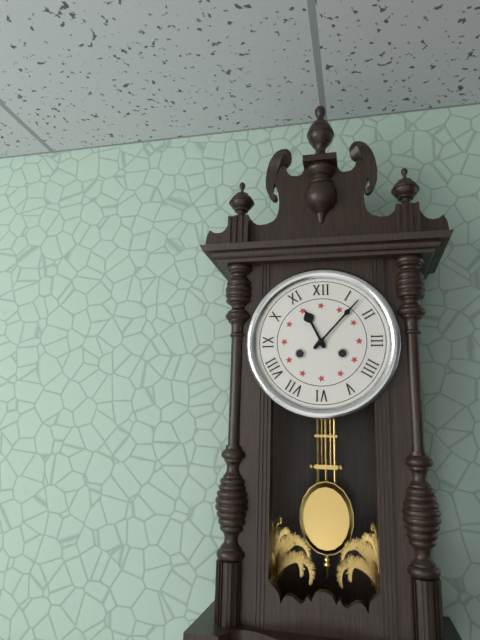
11:07
